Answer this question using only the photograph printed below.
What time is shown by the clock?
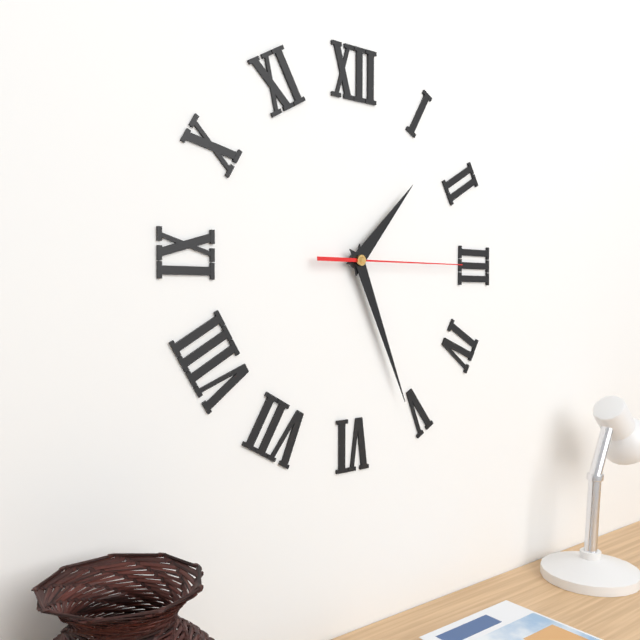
1:26:15
